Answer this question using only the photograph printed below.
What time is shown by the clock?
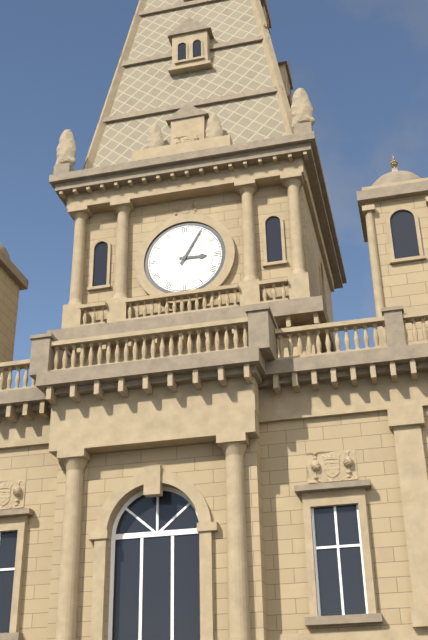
3:05
